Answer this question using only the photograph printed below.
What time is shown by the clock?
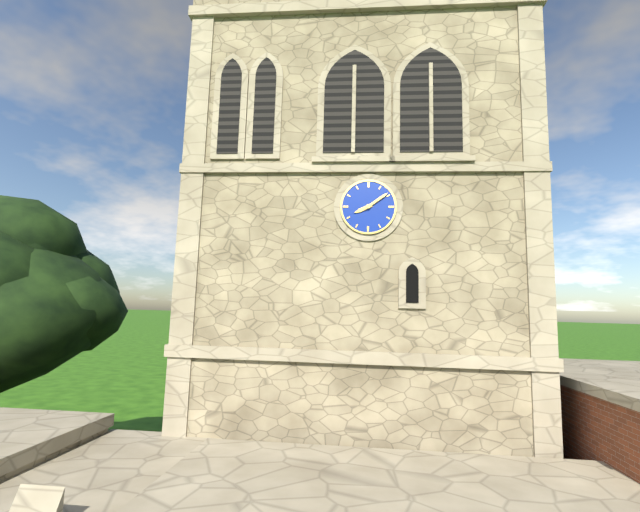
8:09
